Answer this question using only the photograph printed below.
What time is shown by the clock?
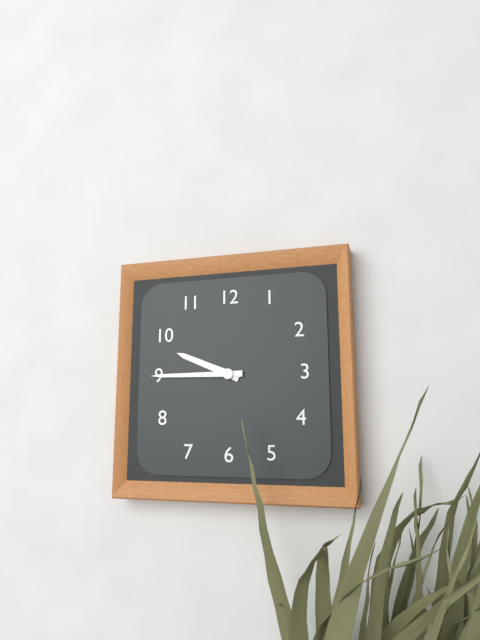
9:45
